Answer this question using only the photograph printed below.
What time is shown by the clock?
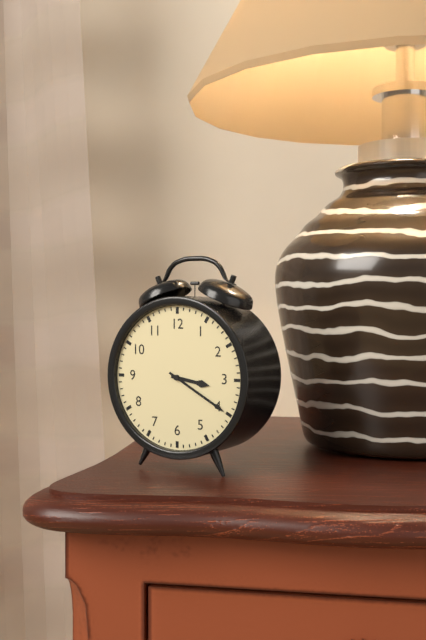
3:20
